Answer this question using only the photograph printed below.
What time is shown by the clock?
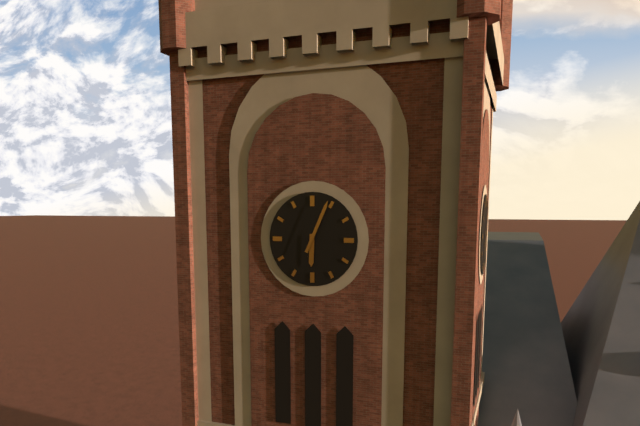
6:04
